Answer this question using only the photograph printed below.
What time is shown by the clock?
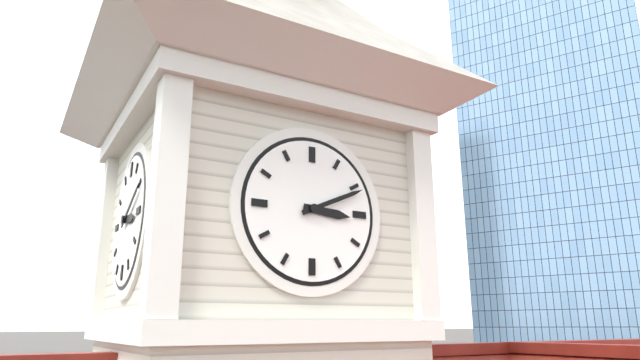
3:11
